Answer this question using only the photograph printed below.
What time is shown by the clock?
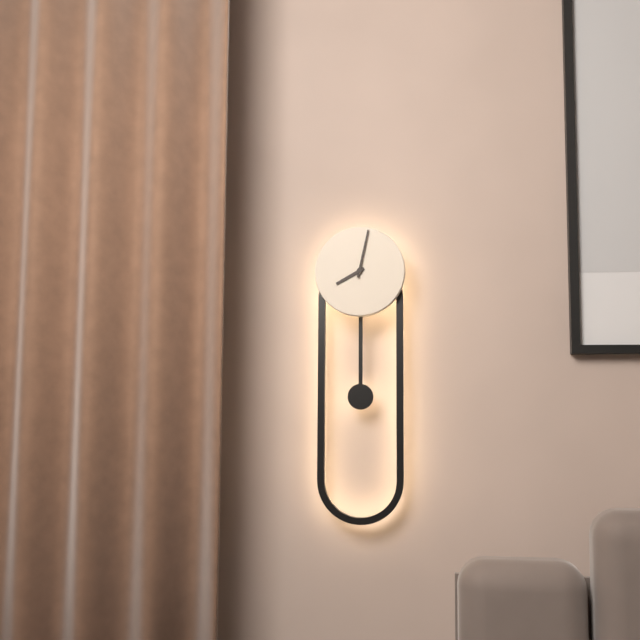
8:02
